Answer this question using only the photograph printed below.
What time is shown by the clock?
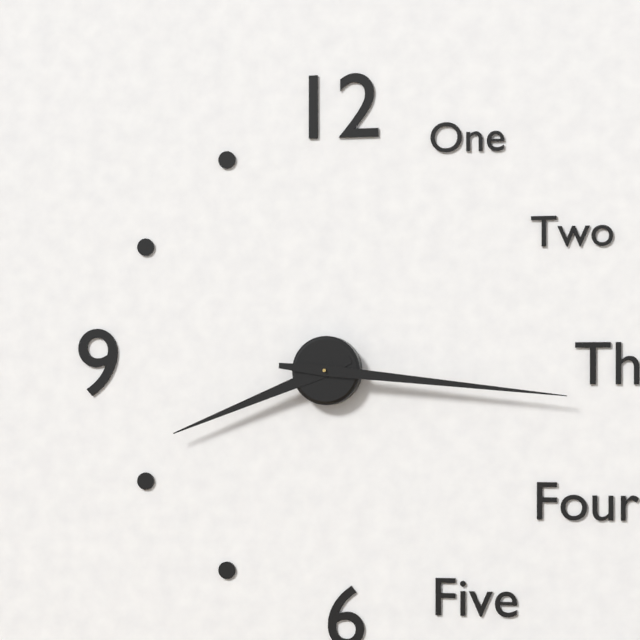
8:16
